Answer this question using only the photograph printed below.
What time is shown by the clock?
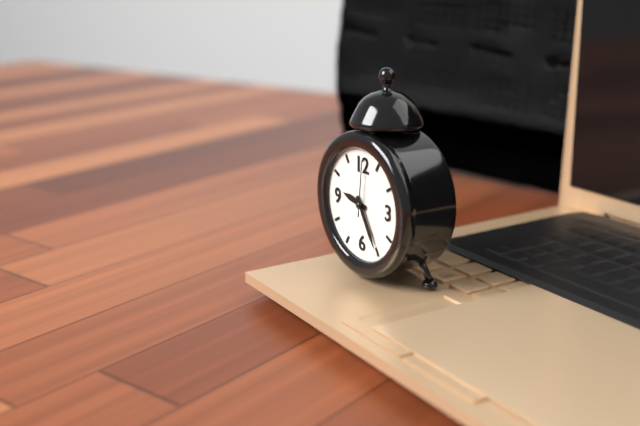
9:25:01
